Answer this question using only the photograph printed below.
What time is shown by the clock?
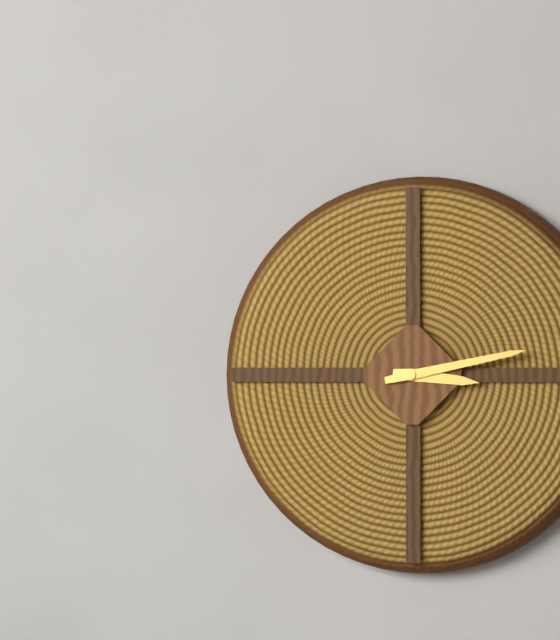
3:13
